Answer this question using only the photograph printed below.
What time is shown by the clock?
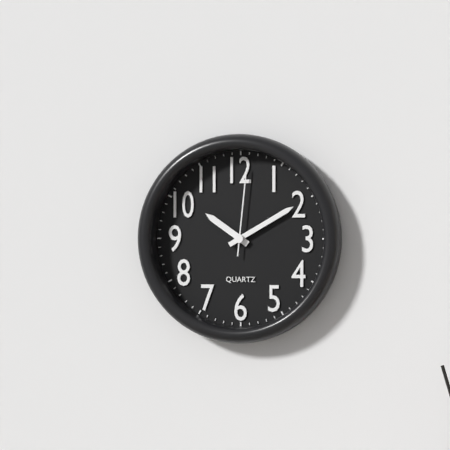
10:10:01
